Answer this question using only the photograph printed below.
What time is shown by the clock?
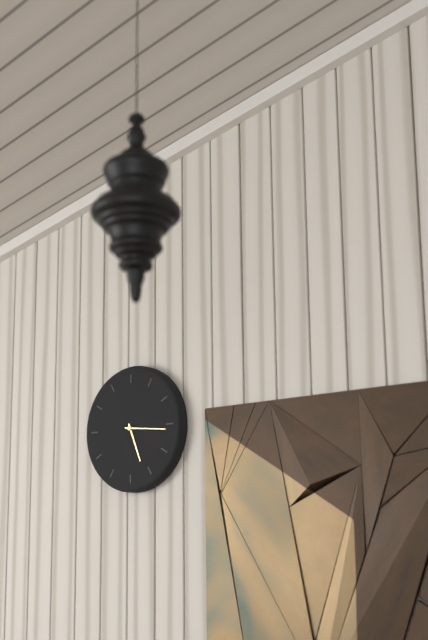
5:16
